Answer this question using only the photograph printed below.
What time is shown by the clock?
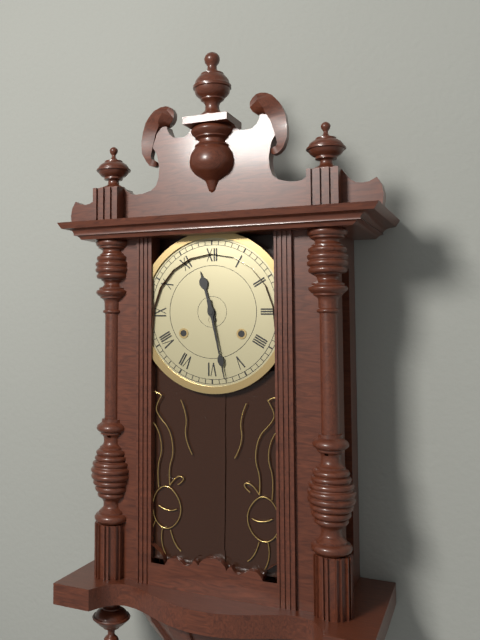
11:28
